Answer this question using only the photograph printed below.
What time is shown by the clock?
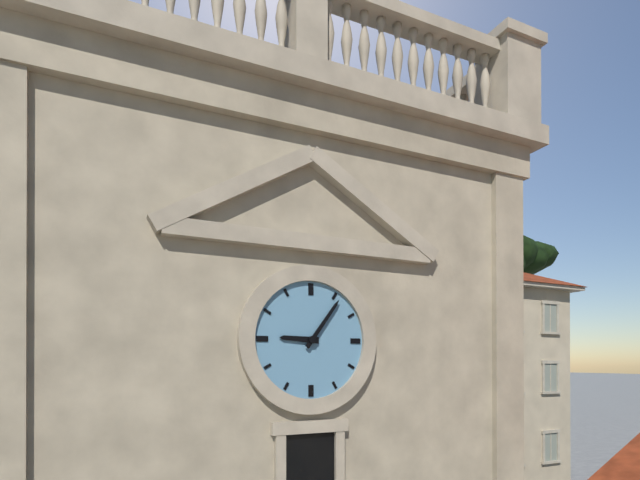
9:06
